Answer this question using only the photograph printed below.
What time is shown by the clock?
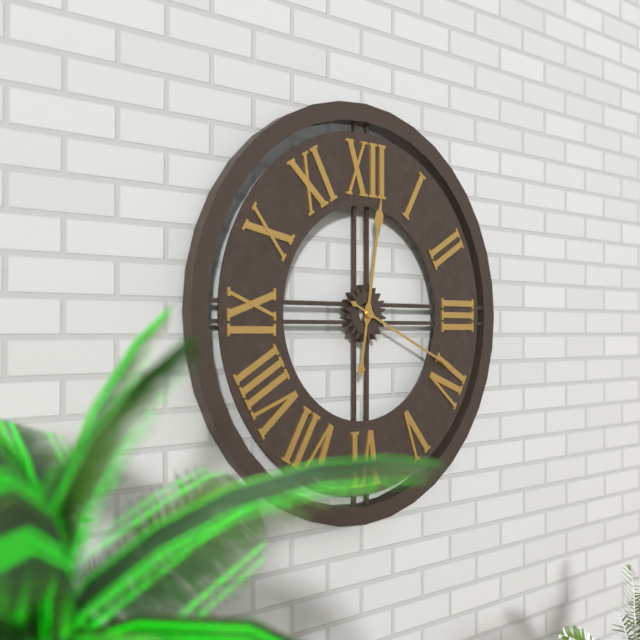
12:19
